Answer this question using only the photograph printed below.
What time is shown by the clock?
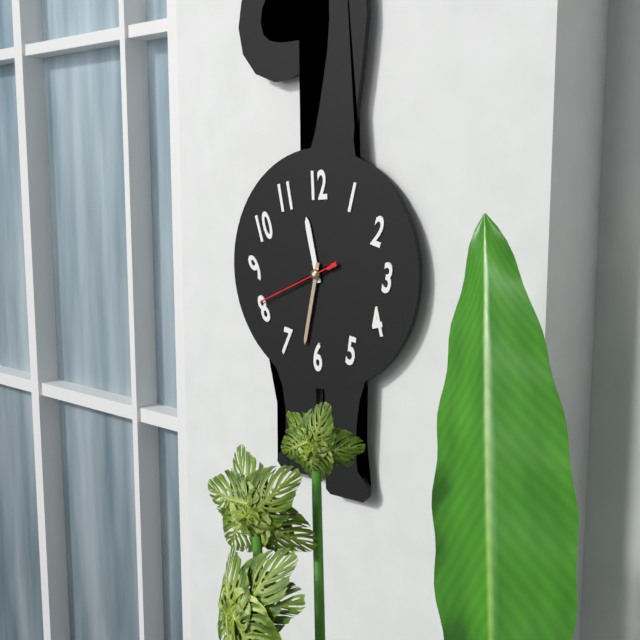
11:32:41
